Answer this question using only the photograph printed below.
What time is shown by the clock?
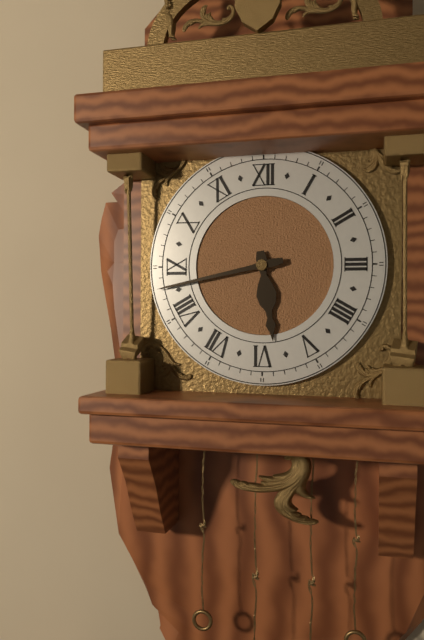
5:43
